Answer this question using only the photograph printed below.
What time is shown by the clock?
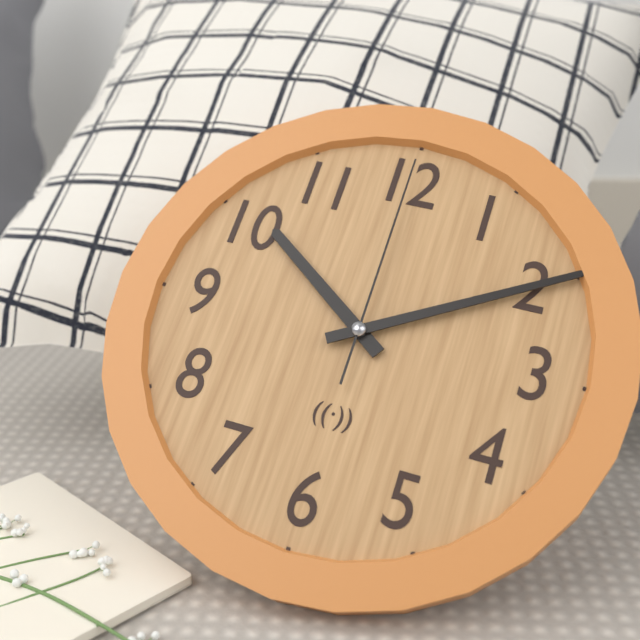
10:10:00
